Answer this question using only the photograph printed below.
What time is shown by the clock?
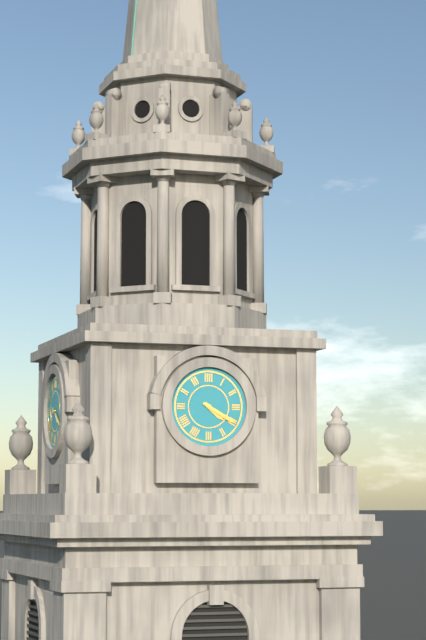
4:20
